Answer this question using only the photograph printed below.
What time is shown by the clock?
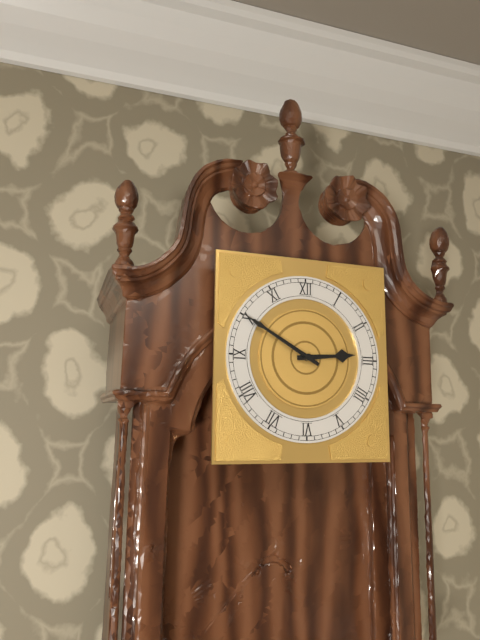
2:50
